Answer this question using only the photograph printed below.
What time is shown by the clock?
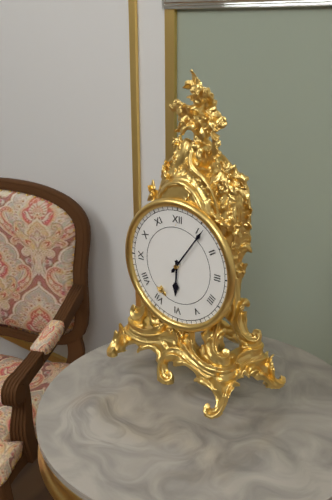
6:06
